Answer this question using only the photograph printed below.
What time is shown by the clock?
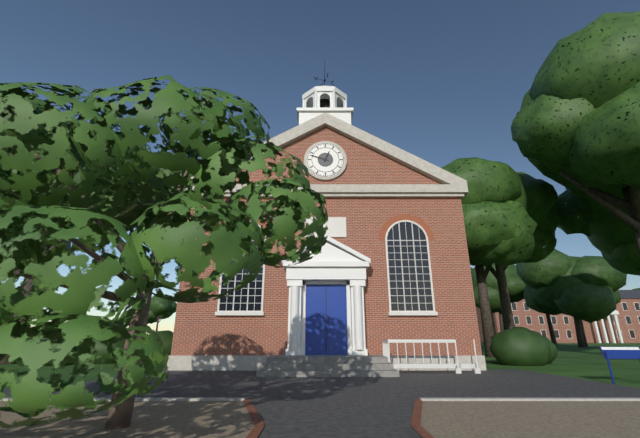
12:48
